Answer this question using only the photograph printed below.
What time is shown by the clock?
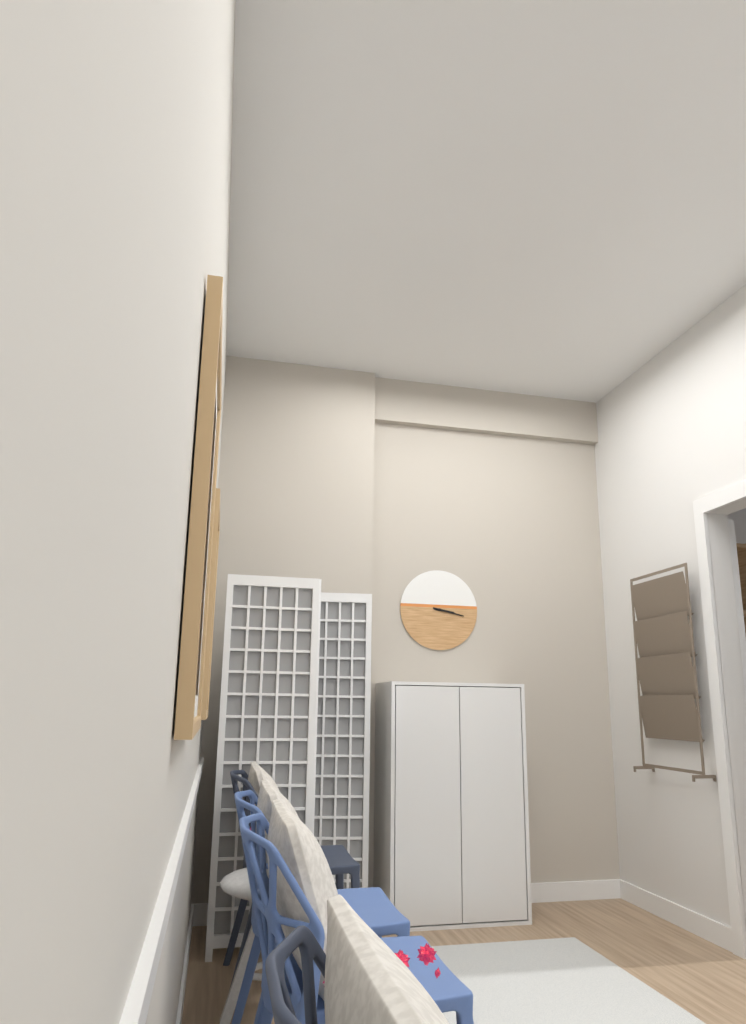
3:17
